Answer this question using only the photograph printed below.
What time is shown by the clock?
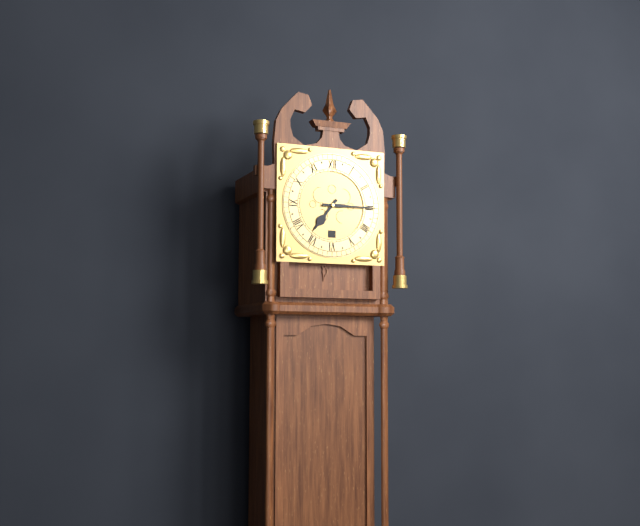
7:15
